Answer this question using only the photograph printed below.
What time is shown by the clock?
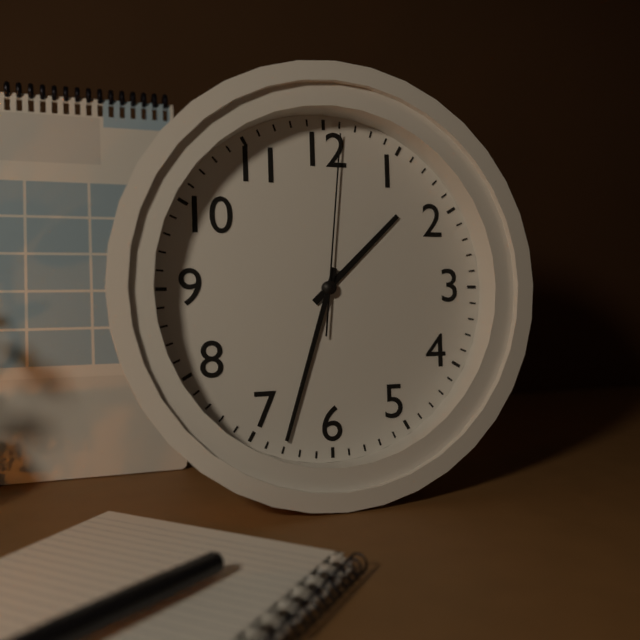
1:33:01
